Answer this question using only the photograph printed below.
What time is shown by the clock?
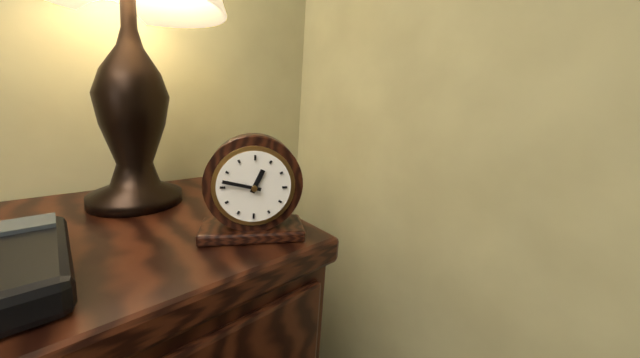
12:47
